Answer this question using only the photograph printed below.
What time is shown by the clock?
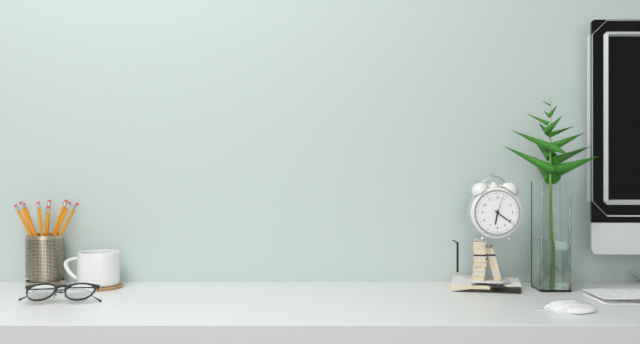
6:21
